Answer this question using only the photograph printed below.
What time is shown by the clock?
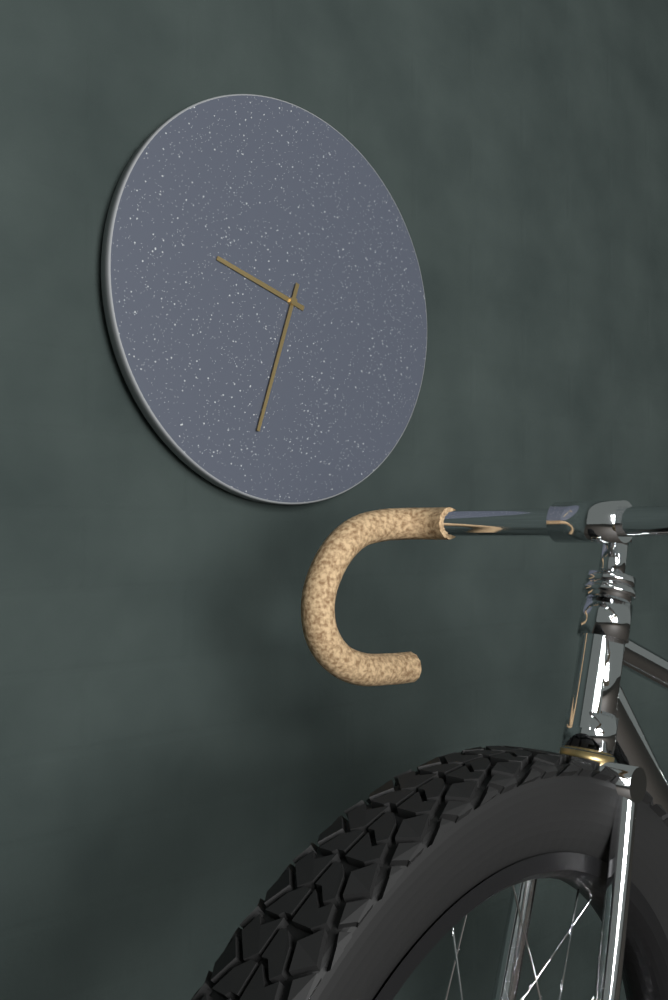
9:33
